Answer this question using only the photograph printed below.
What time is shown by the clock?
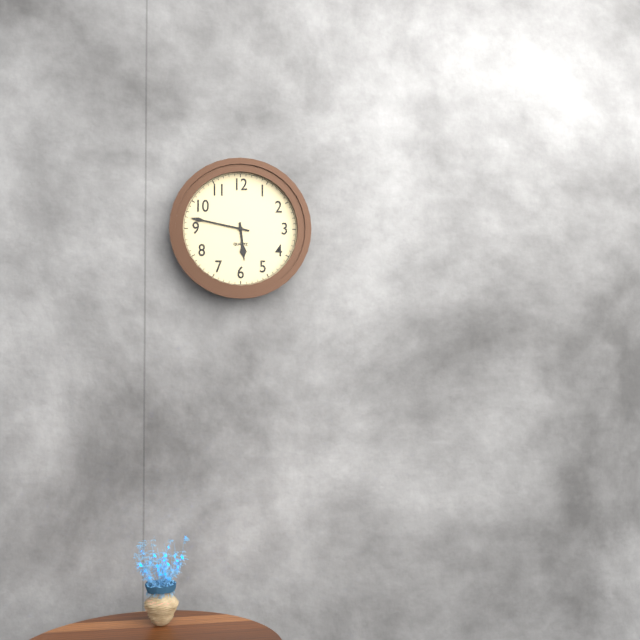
5:47
